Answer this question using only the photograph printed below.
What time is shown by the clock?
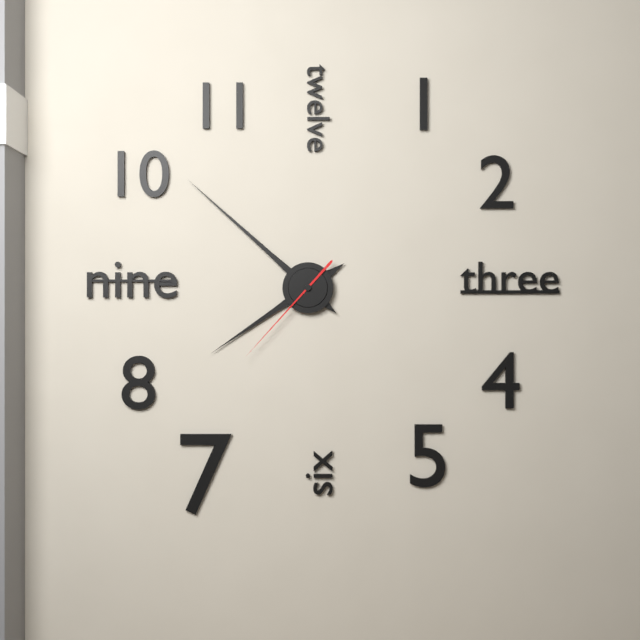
7:52:37
